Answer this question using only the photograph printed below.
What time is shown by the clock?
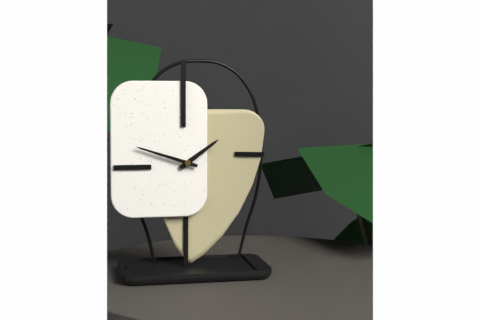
1:48
